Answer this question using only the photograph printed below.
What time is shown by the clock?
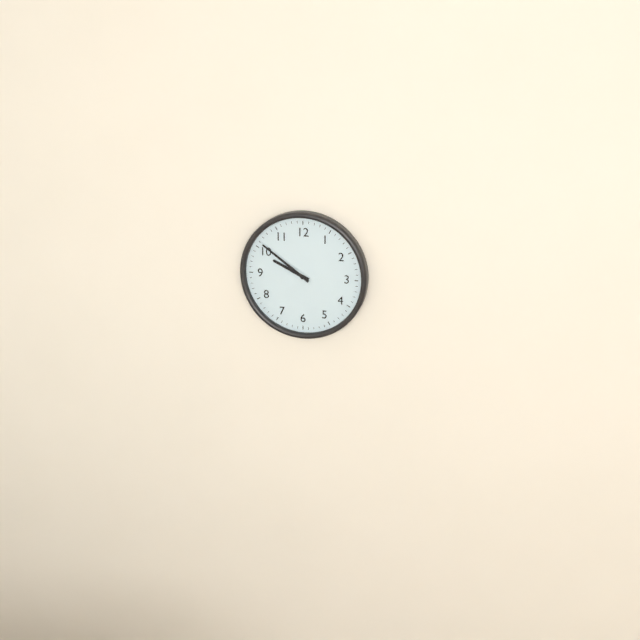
9:51
